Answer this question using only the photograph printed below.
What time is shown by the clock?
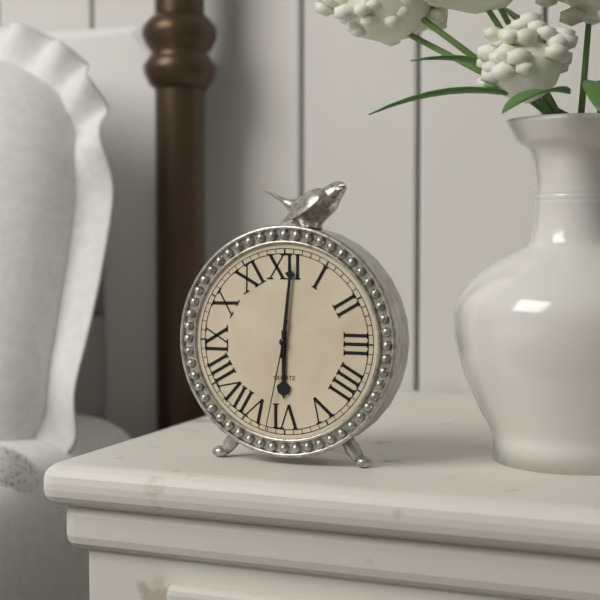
6:01:32
